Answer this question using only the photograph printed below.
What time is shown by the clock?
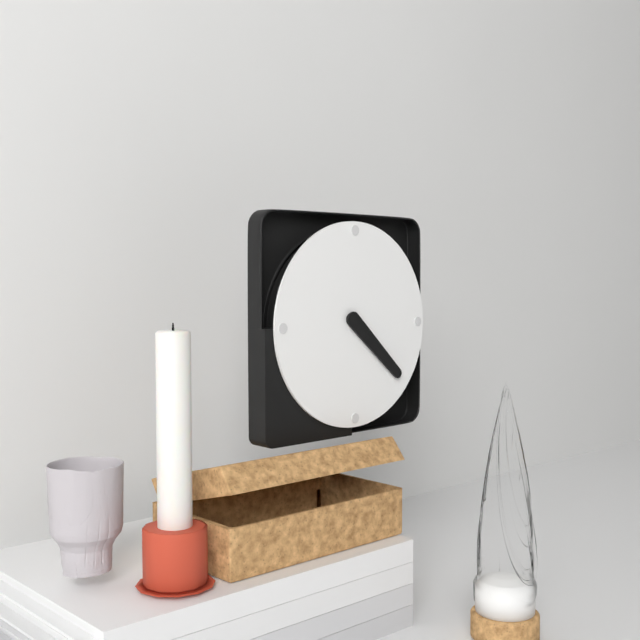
4:22
